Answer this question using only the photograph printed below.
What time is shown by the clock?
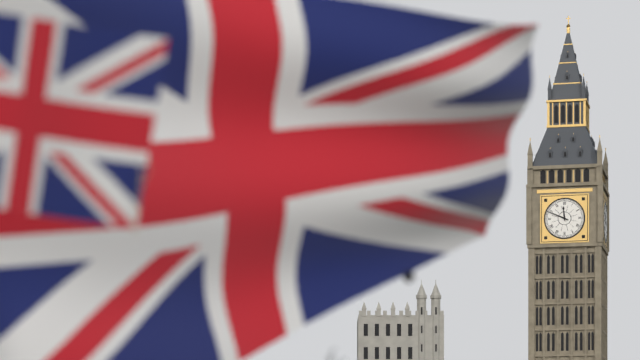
11:49
